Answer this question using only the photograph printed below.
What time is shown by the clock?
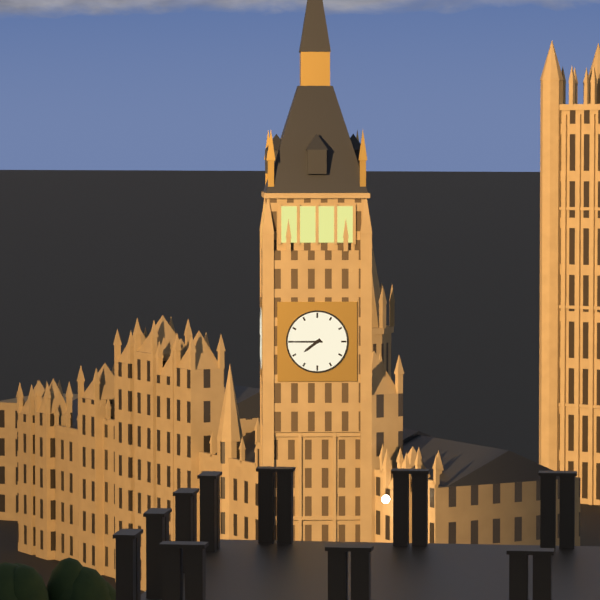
7:45
